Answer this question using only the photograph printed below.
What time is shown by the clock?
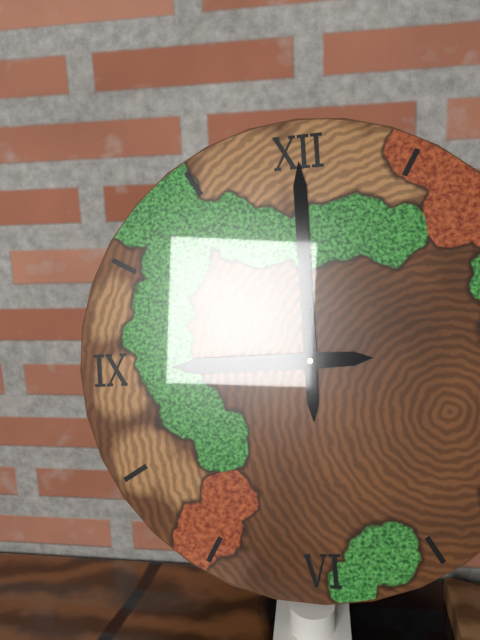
9:00
